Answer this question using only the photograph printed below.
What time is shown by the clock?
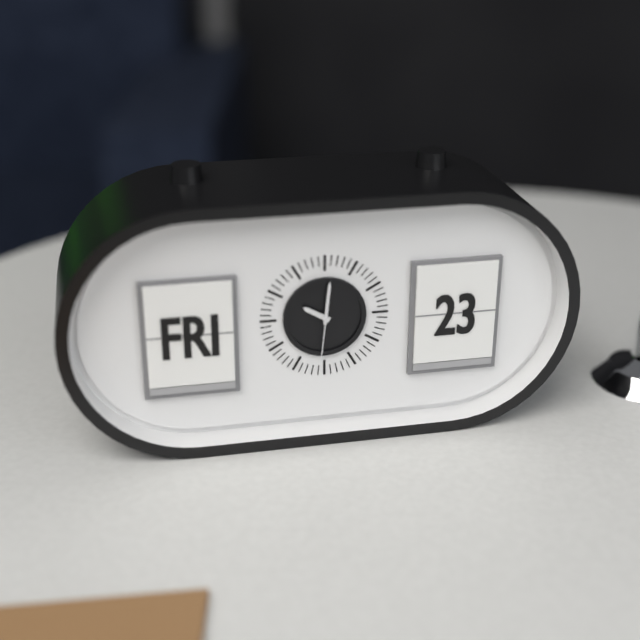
10:01:31
